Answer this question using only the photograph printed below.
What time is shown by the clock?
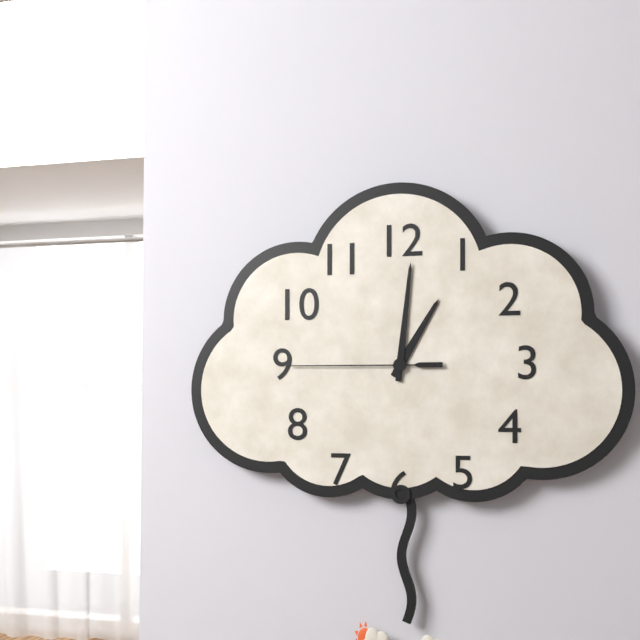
1:01:45
